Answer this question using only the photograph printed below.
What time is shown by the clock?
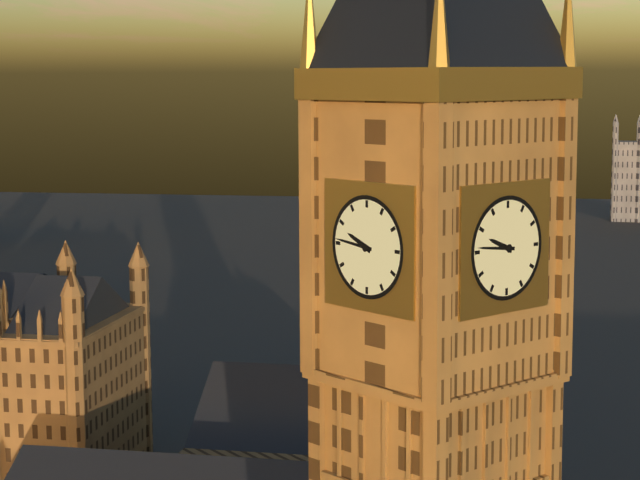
9:46
